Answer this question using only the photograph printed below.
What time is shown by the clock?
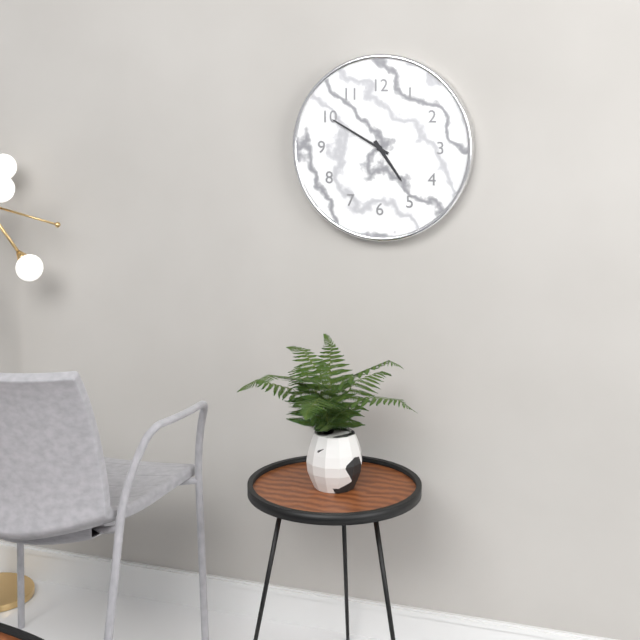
4:50
